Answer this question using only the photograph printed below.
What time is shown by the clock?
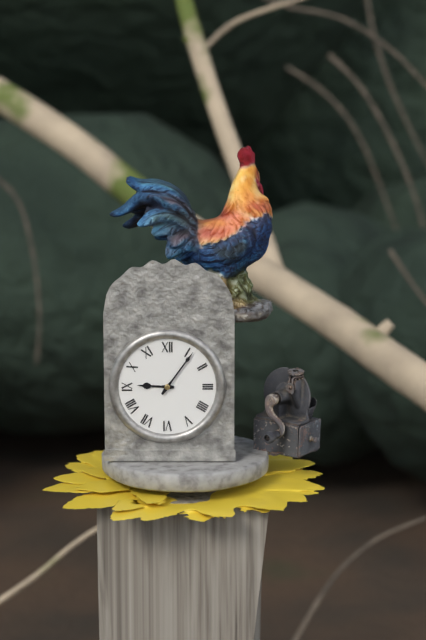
9:06
